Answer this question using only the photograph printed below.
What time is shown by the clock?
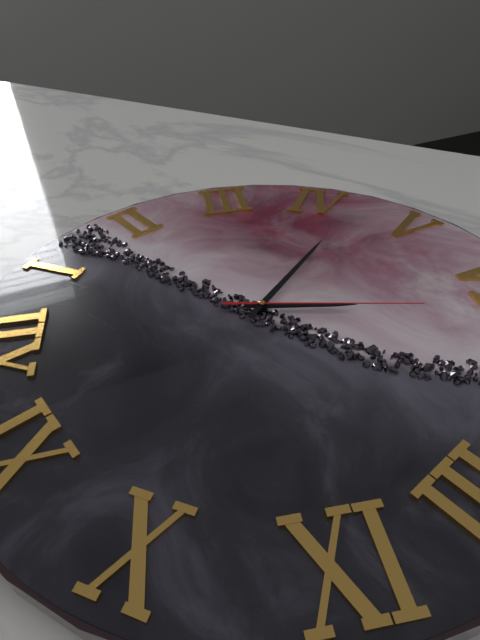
6:22:32
